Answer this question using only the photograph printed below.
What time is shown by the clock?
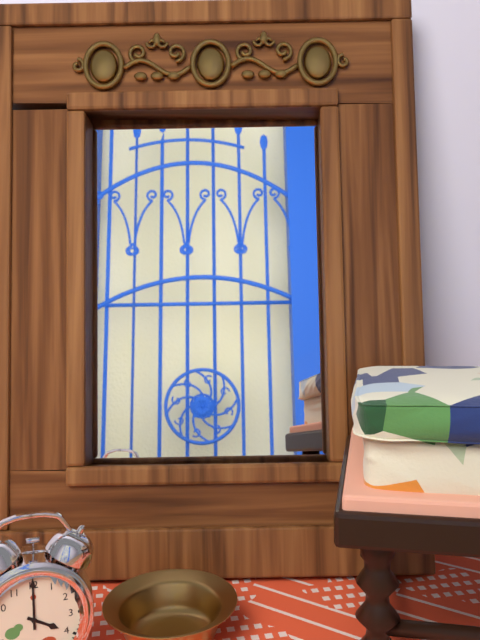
4:00
